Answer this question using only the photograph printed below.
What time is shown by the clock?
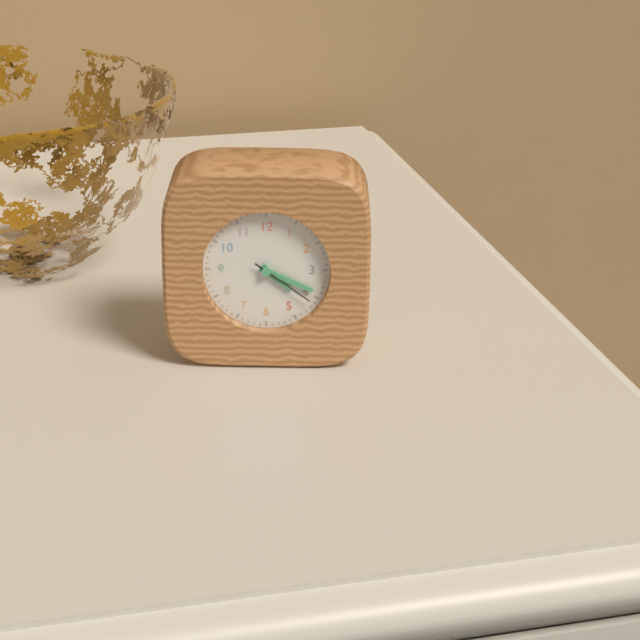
4:19:21
